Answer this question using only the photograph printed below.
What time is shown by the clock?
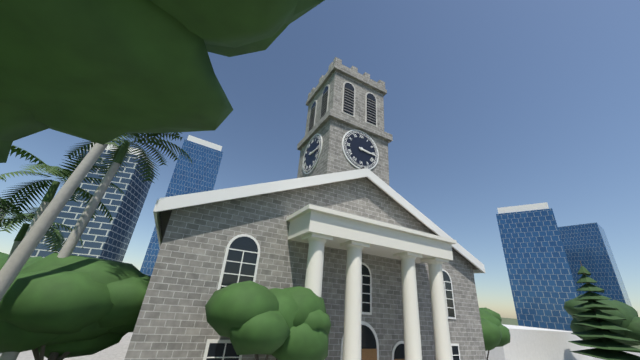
3:16
